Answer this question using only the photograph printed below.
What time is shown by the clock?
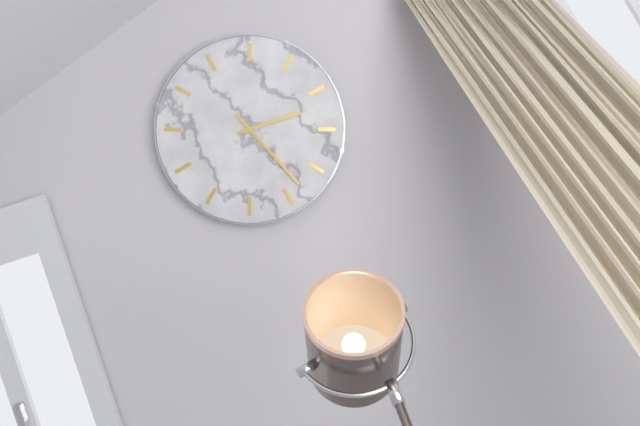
2:23
